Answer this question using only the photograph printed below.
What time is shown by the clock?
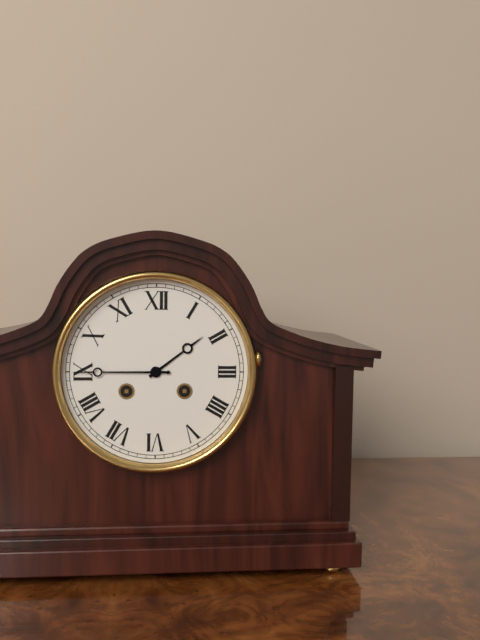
1:45
